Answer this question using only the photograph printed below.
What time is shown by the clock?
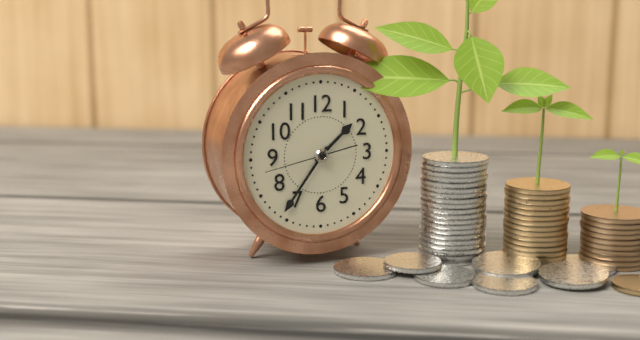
1:36:43
